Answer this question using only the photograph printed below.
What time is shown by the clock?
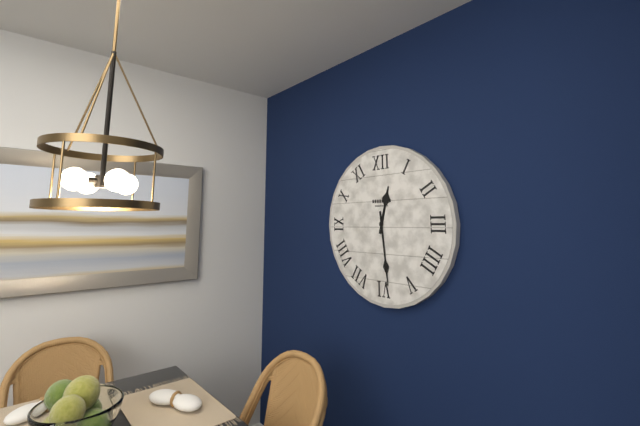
12:29
